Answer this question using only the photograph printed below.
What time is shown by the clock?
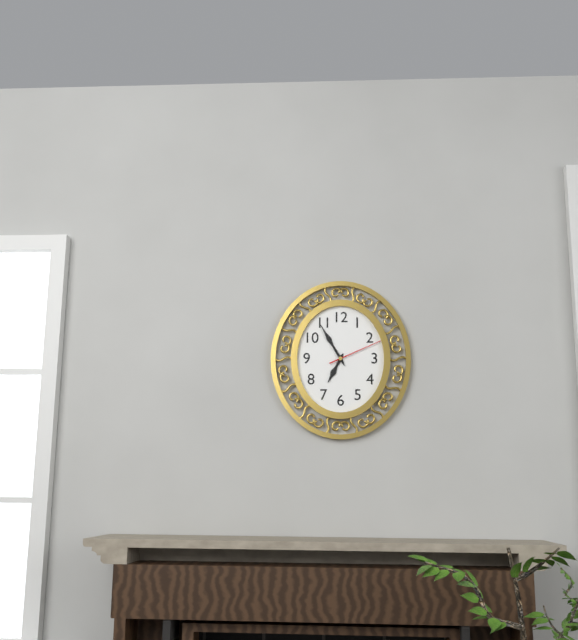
6:55:11
